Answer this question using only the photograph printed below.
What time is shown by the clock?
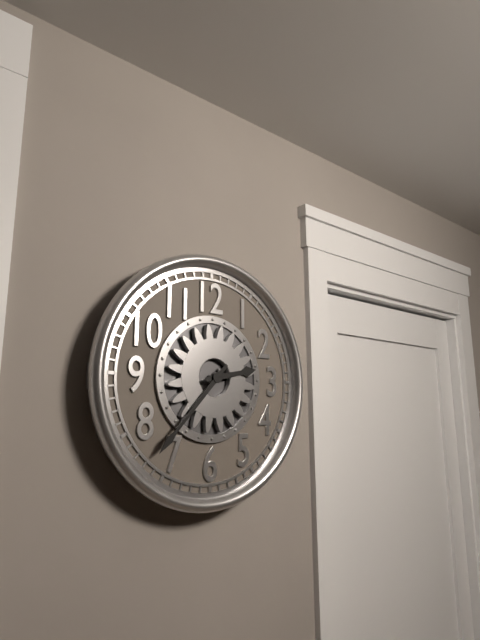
2:37
